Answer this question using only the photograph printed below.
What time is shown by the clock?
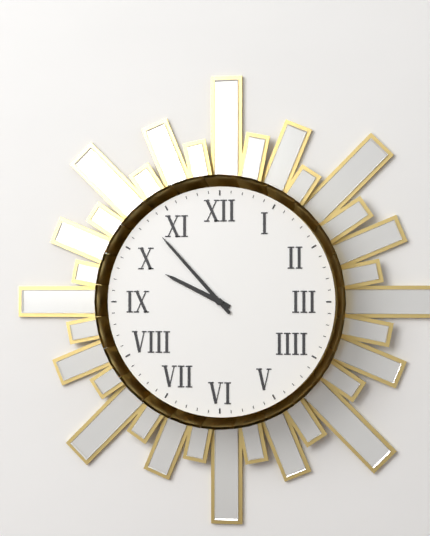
9:53
